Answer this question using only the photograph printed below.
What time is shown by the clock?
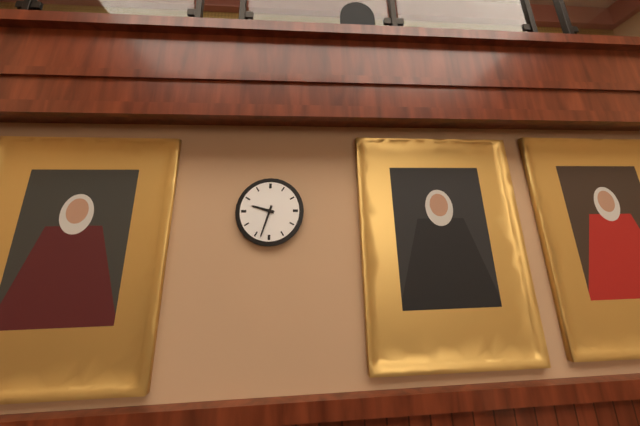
9:33
